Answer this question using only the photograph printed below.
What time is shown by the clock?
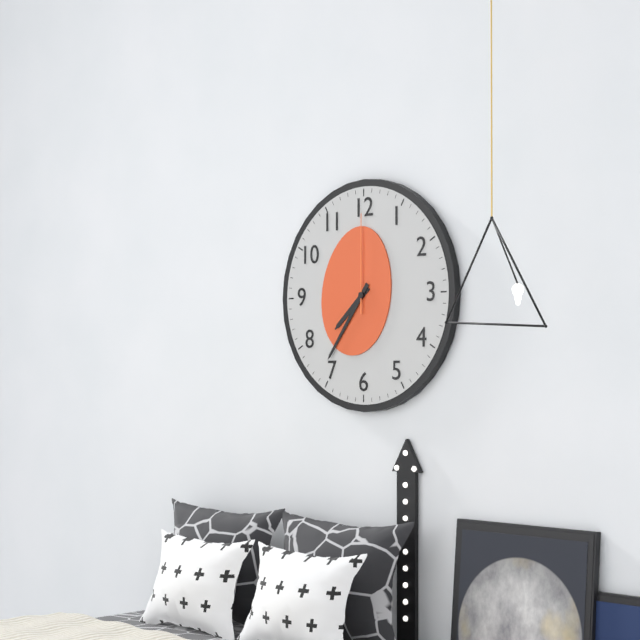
7:36:00
